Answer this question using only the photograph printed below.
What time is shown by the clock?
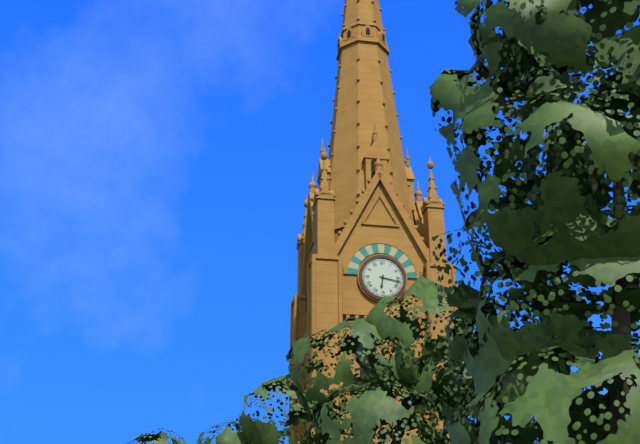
6:17
